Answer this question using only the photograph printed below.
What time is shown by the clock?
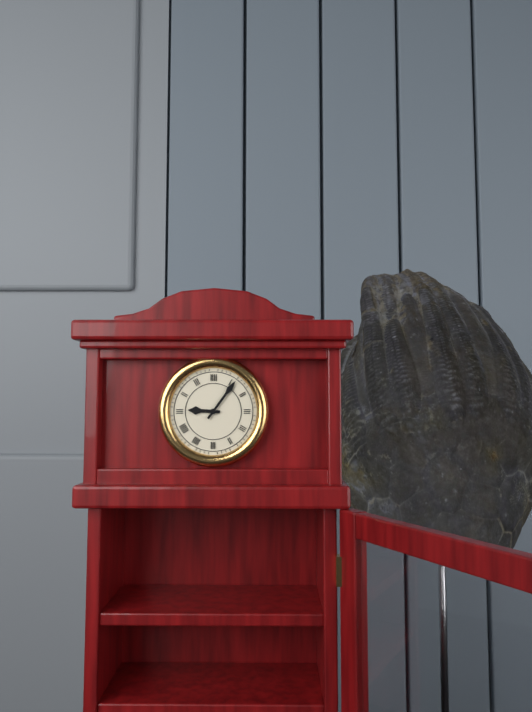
9:06
